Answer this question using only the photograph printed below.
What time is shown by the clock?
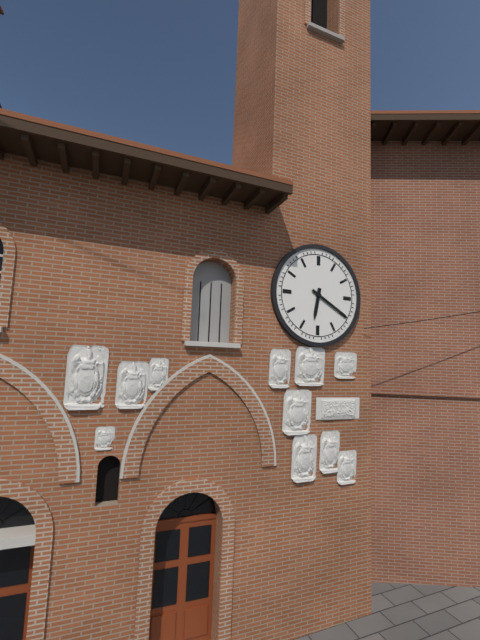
6:20
